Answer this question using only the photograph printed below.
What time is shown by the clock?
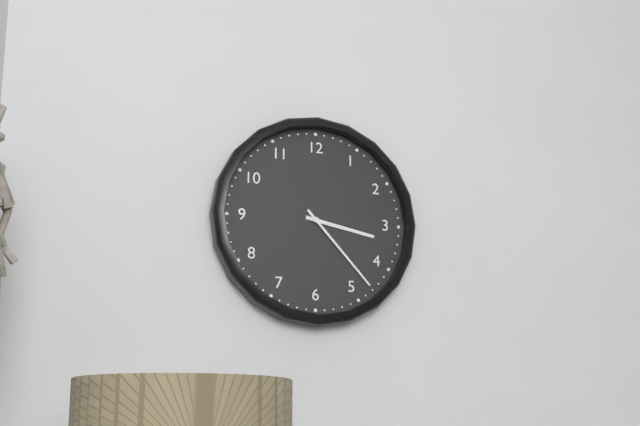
3:23
